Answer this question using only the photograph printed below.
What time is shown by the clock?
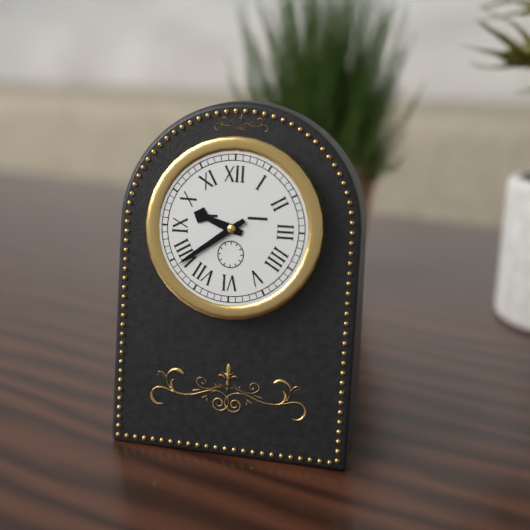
9:39
